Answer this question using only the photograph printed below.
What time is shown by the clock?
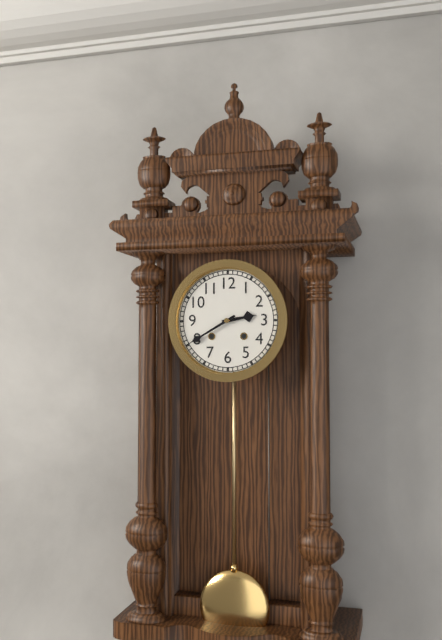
2:40
